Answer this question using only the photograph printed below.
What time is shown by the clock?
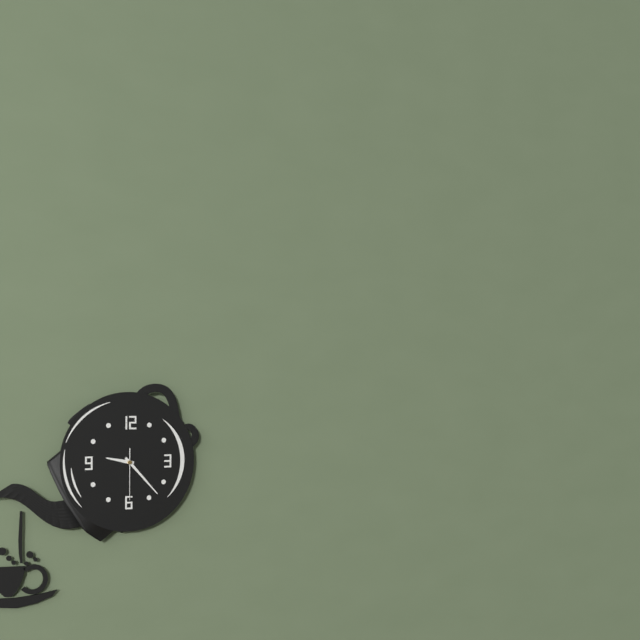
9:23
